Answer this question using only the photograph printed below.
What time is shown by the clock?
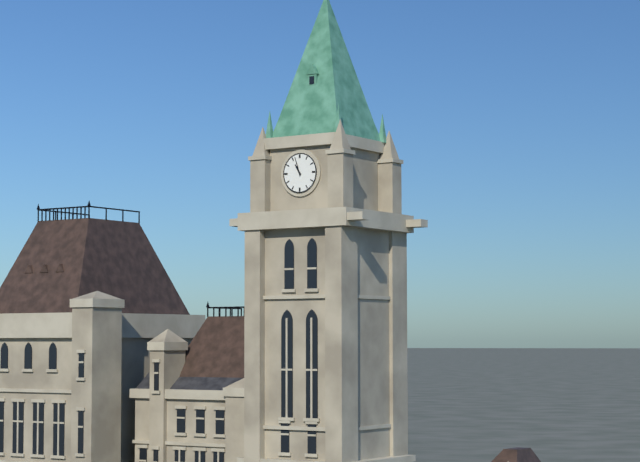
10:57
